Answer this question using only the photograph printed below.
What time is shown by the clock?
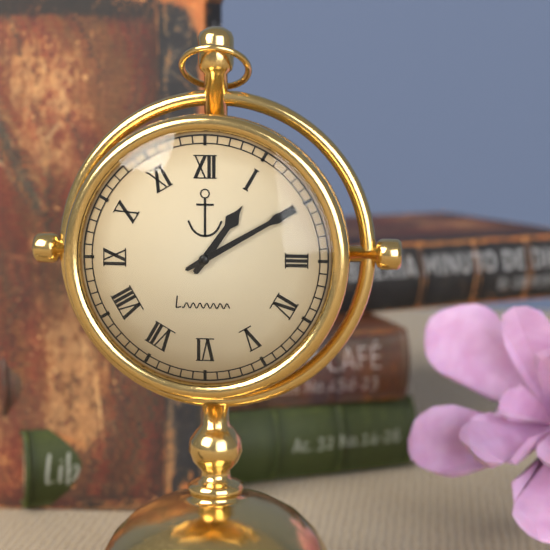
1:10
